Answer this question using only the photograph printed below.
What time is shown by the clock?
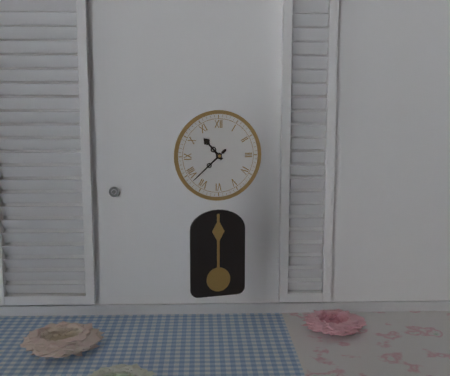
10:38
